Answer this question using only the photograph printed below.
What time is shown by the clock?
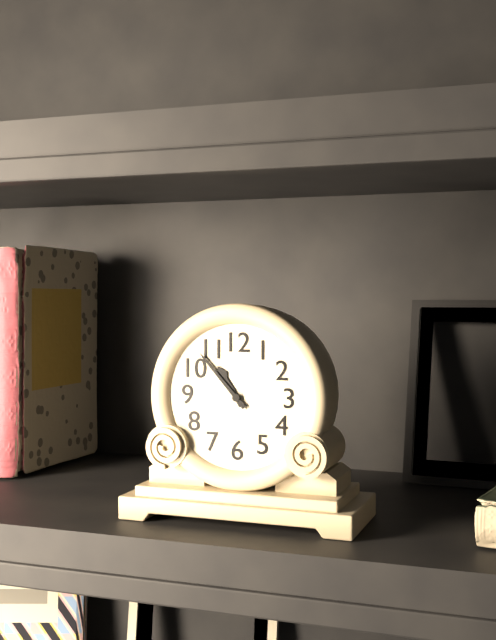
10:53
